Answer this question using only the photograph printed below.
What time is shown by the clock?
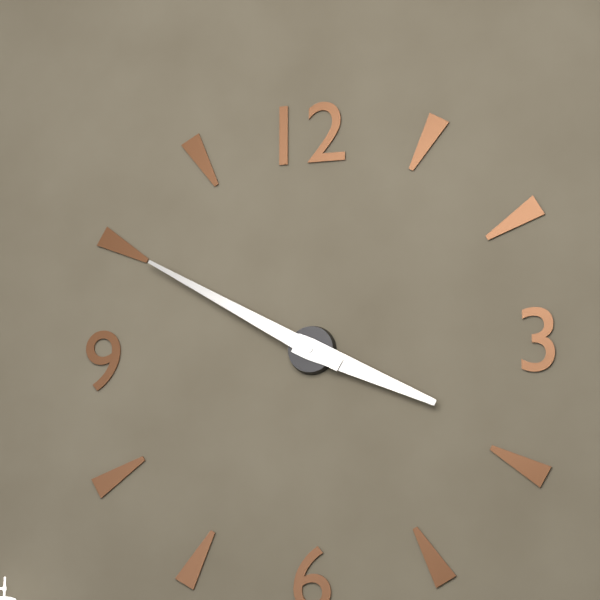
3:50
